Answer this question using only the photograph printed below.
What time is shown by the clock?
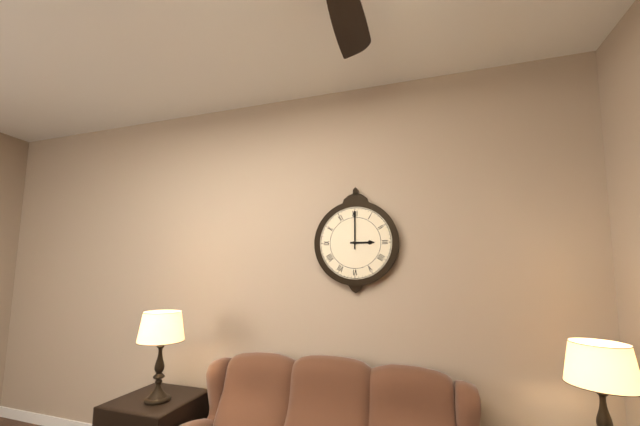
3:00
